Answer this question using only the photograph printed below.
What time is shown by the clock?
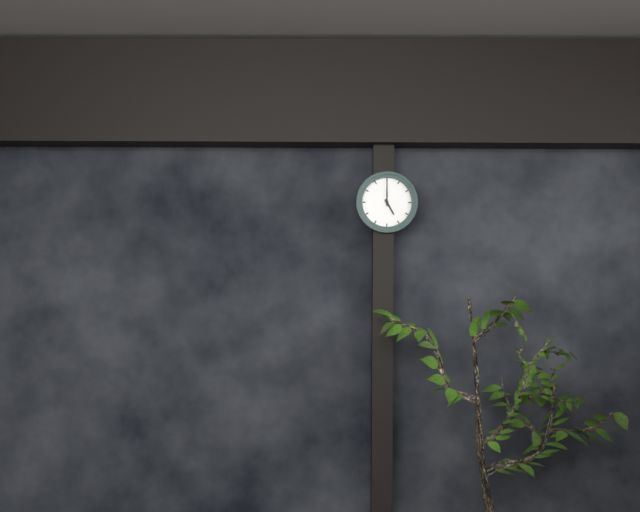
5:00
